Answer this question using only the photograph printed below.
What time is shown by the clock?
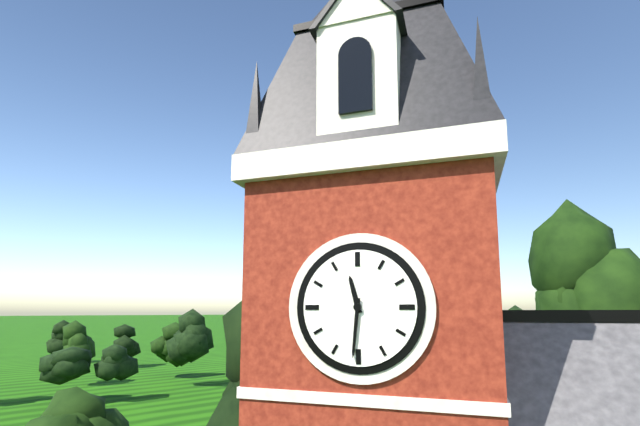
11:31
